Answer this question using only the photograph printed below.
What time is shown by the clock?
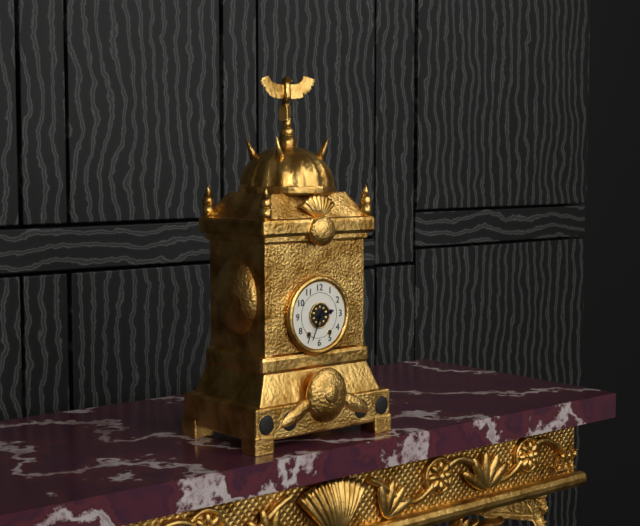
2:34
